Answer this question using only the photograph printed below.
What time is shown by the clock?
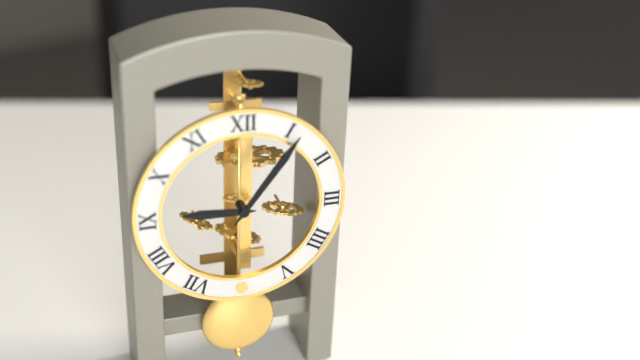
9:06
